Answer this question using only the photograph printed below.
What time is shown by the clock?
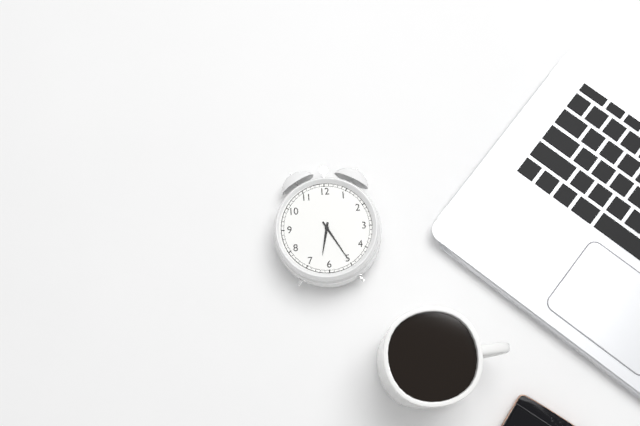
6:25
